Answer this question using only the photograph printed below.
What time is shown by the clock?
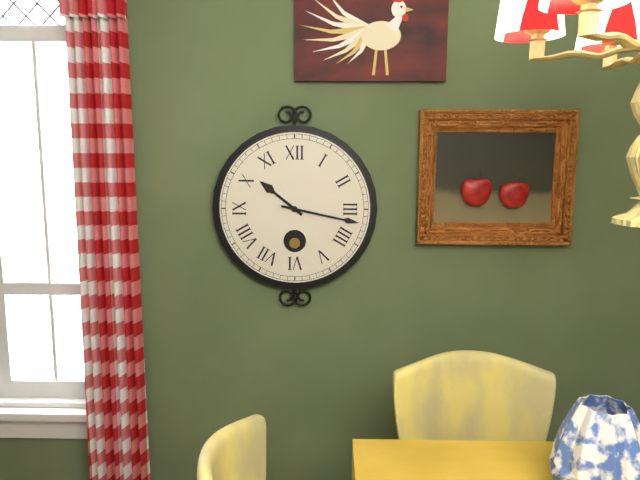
10:17
